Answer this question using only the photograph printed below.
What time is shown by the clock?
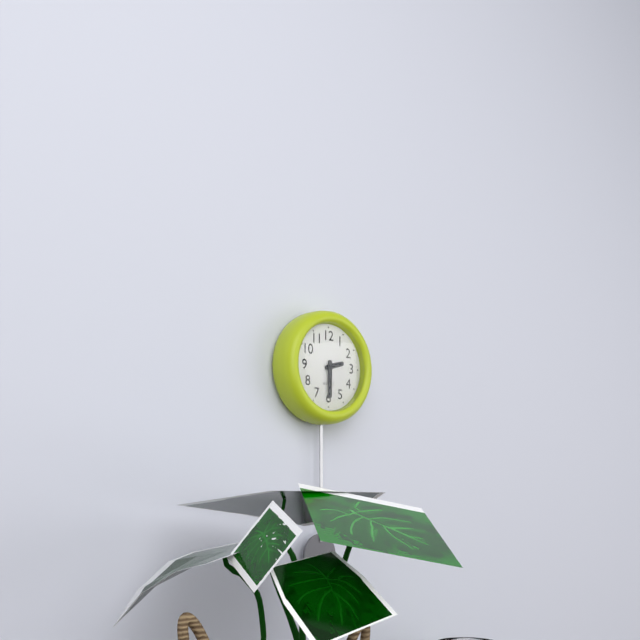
2:30
